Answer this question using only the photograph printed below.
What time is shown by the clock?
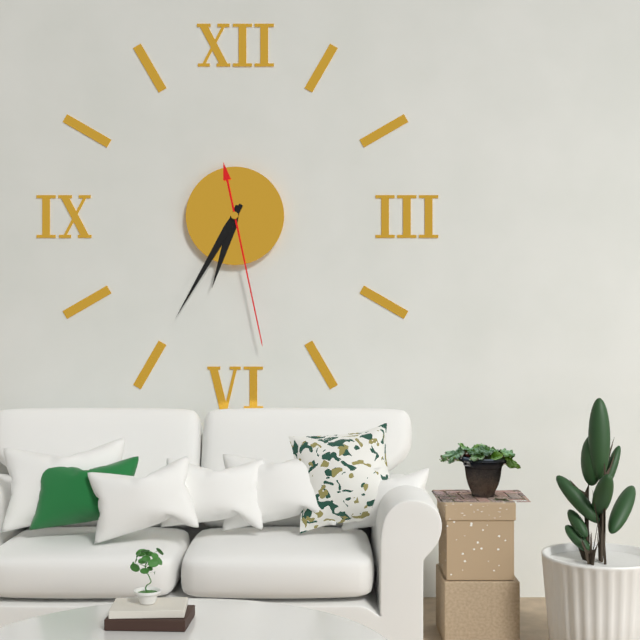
6:35:28
